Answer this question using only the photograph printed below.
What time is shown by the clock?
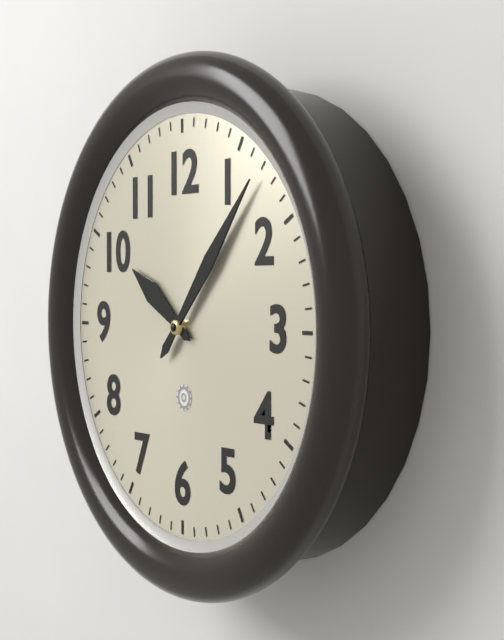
10:07
